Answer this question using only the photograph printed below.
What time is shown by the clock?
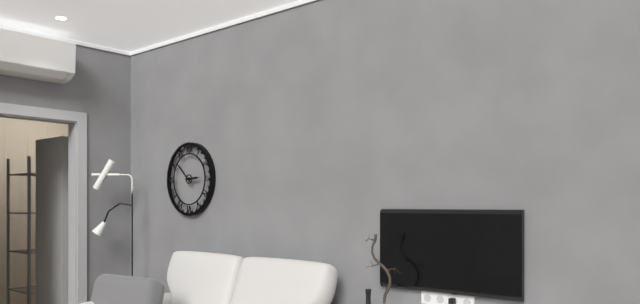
2:52
